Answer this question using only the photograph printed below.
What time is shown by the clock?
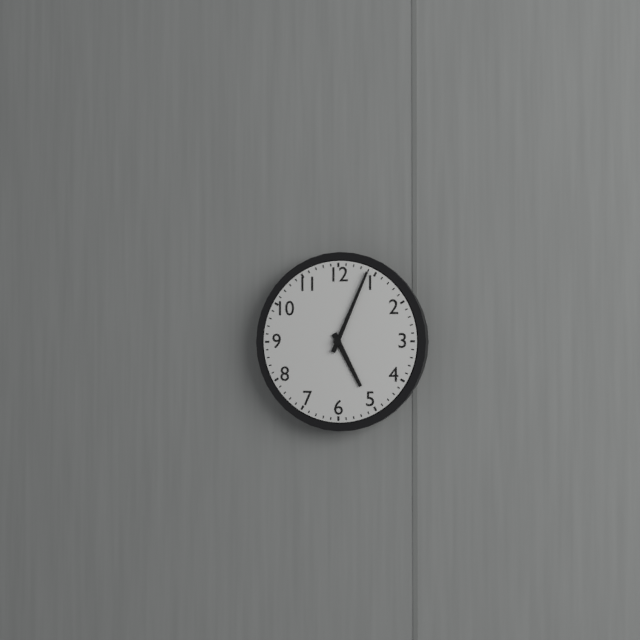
5:04
